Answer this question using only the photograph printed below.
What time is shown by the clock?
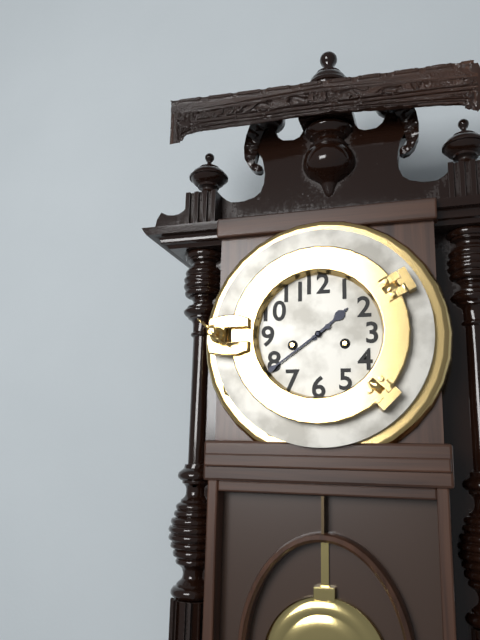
1:39
